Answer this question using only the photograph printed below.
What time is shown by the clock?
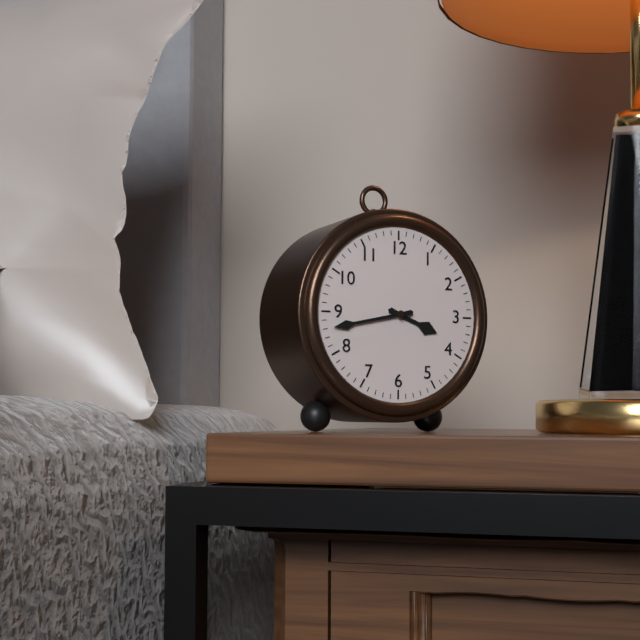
3:43
